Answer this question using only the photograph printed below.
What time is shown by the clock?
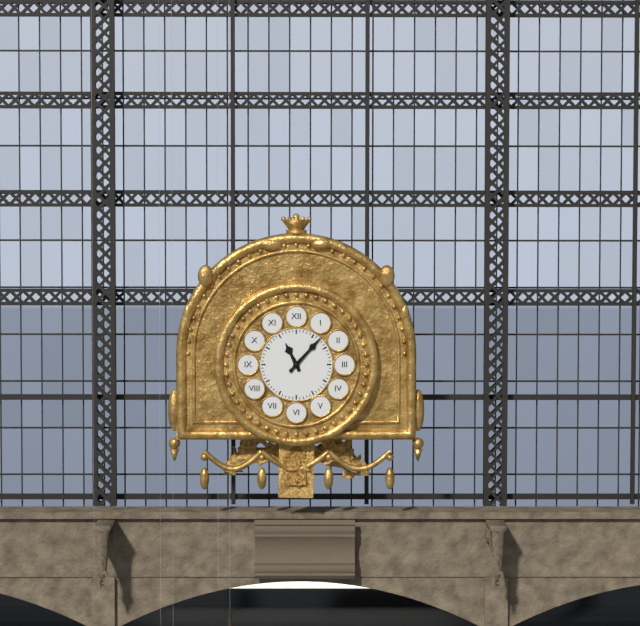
11:07
